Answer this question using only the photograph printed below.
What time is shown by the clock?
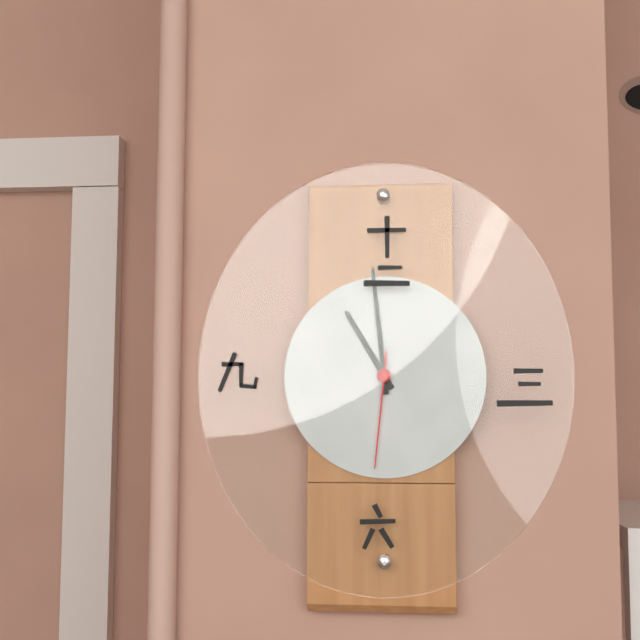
10:59:31
